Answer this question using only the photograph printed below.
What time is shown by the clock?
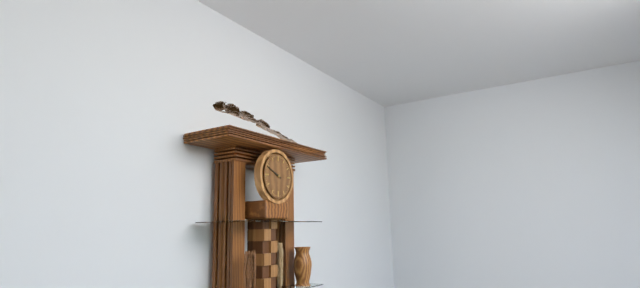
9:49
